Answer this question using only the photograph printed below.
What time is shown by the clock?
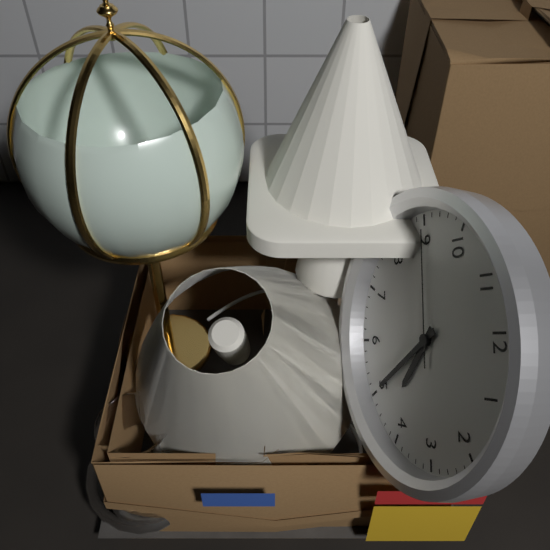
4:25:45
